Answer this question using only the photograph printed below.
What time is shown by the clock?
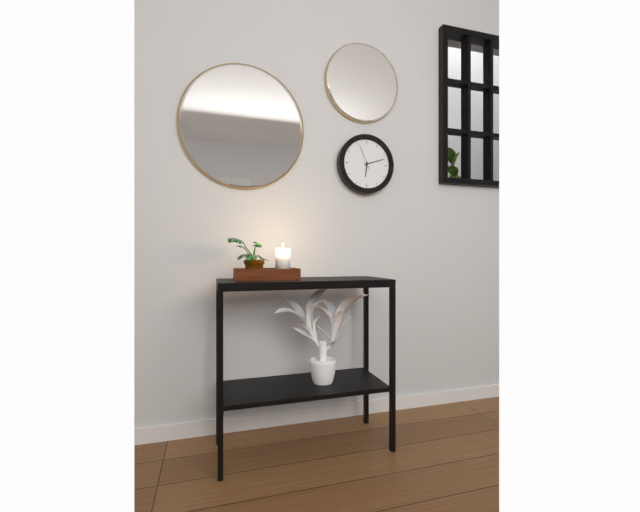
6:12
